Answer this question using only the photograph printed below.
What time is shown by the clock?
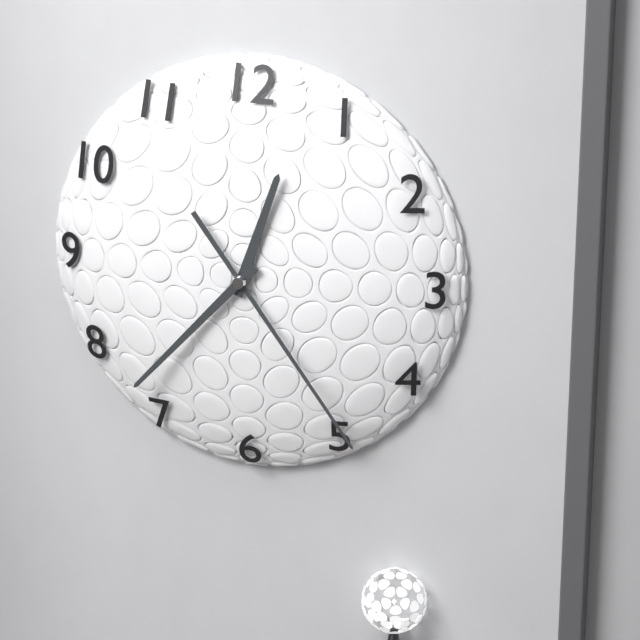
12:37:24
